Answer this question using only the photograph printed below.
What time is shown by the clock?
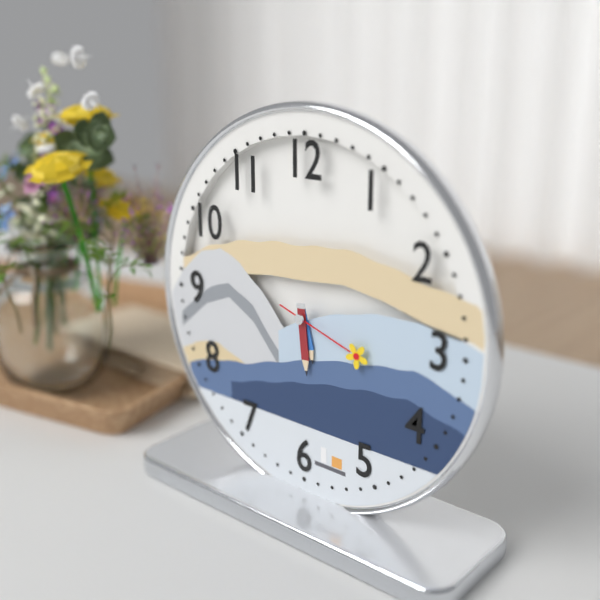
5:29:18
